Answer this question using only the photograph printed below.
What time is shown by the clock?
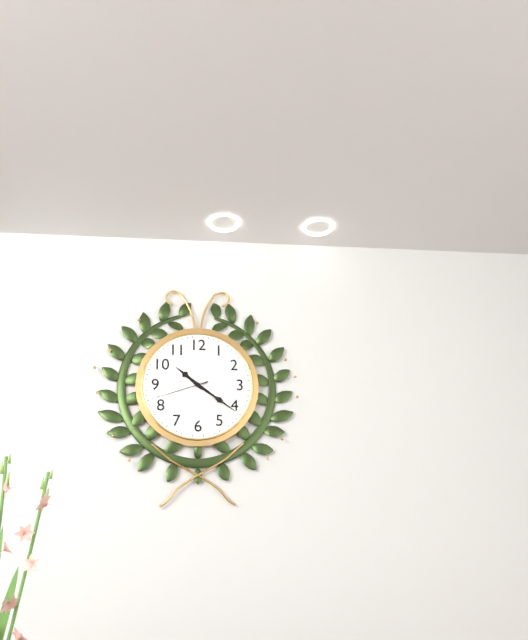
10:21:42
